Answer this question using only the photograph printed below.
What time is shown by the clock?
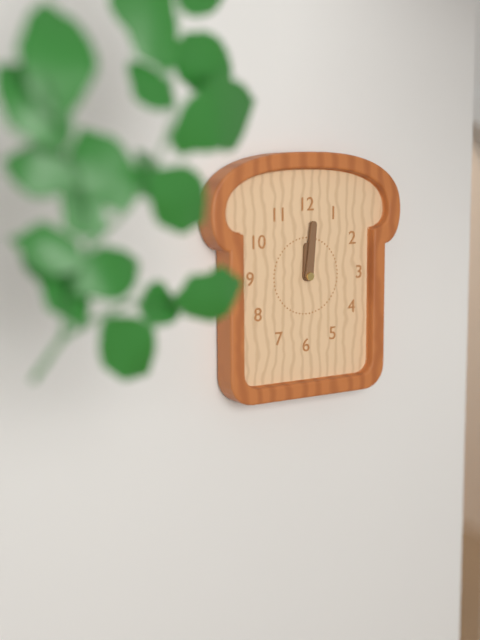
12:01
